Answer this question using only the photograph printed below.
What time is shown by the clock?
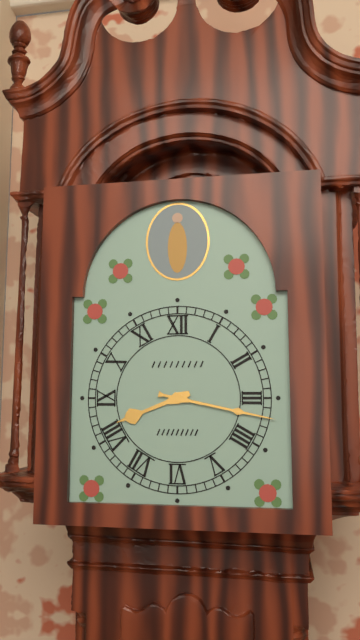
8:17
